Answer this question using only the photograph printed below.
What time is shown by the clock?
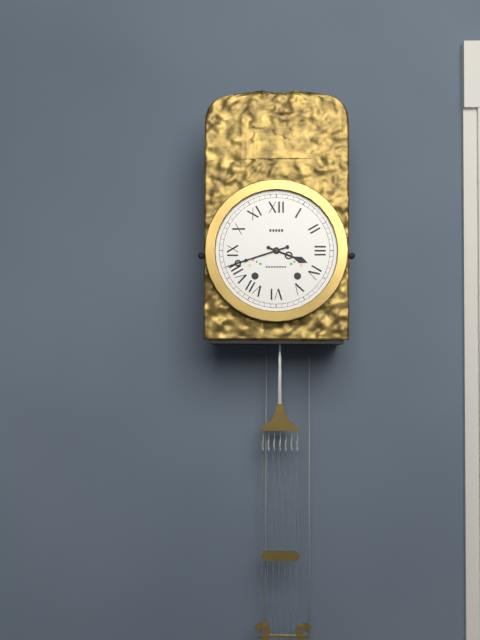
3:42
